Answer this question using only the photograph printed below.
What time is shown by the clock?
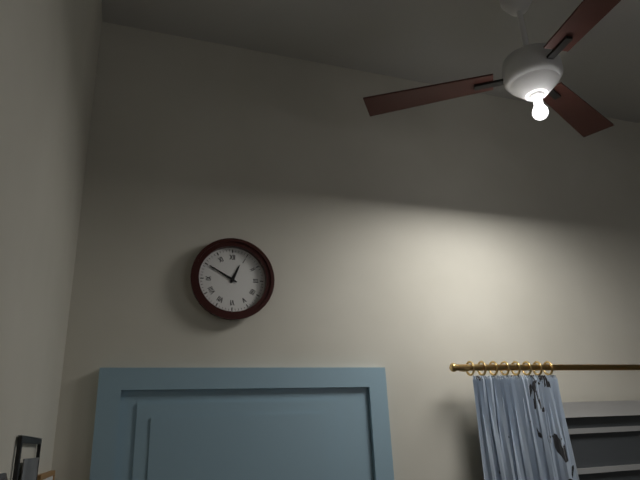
12:50
